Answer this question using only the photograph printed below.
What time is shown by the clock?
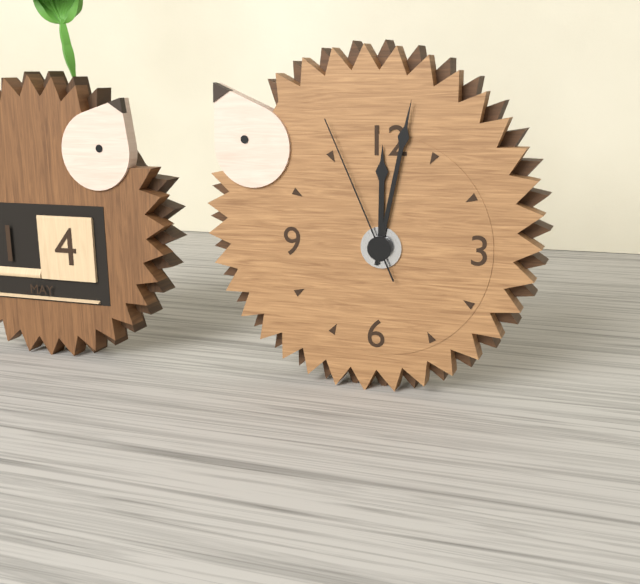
12:02:56
